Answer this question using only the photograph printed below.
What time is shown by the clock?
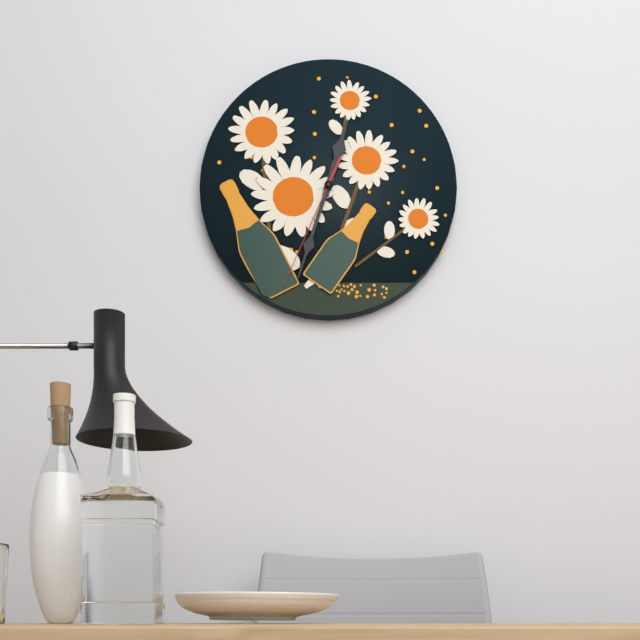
12:33:34
